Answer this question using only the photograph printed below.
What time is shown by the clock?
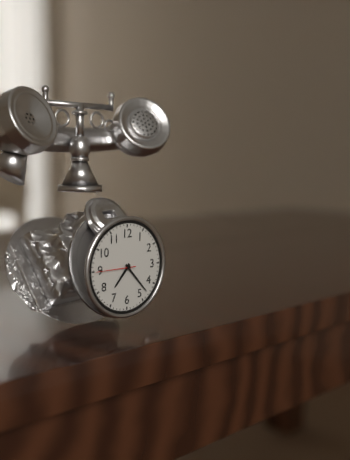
7:23
